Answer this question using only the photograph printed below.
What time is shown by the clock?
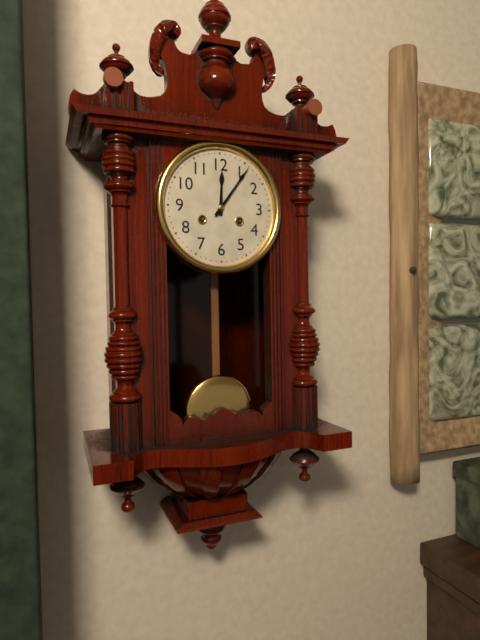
12:06
